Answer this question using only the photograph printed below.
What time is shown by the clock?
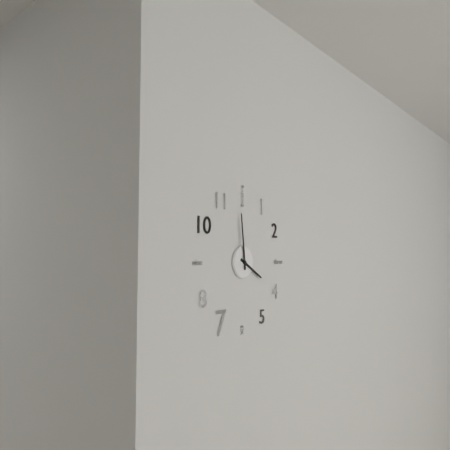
3:59
